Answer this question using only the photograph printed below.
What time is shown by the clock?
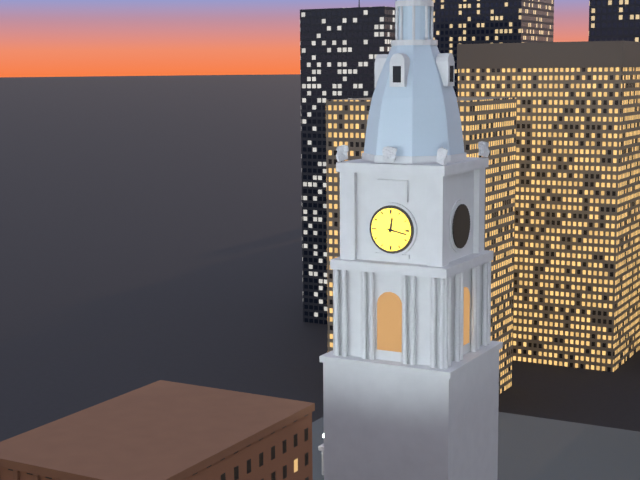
12:17
